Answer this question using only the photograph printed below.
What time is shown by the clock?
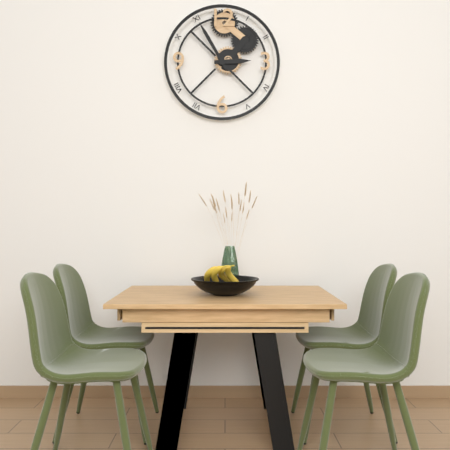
2:55
